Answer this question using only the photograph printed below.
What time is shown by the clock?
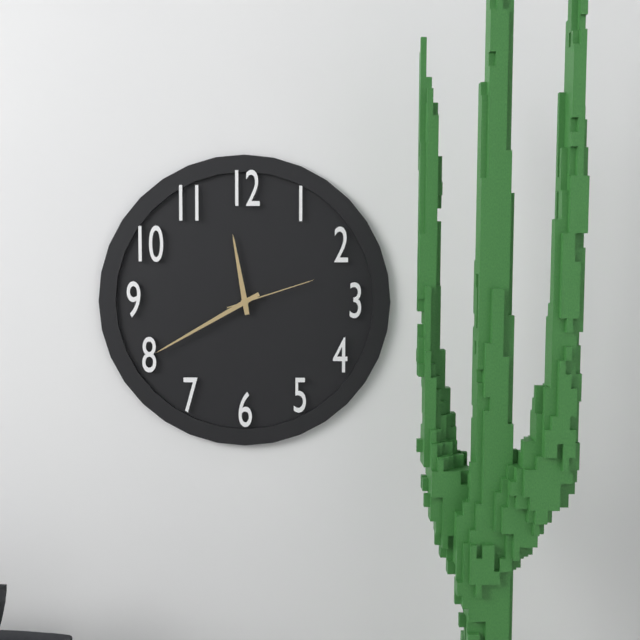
11:40:12
